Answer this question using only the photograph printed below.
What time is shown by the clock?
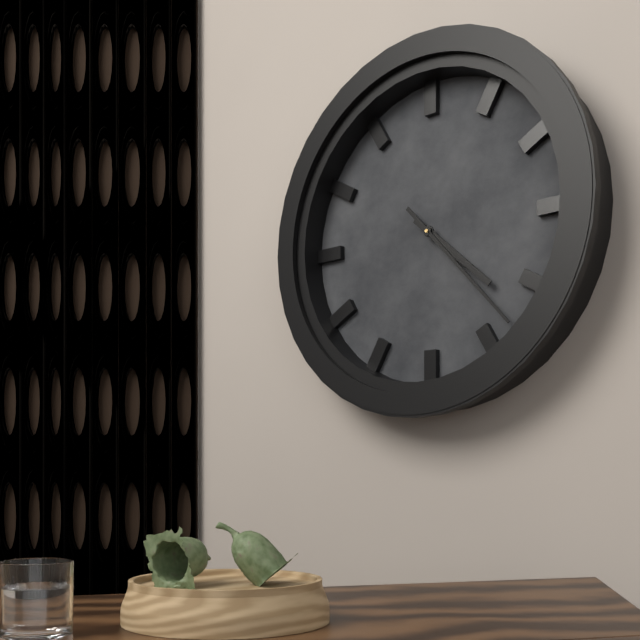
4:23
